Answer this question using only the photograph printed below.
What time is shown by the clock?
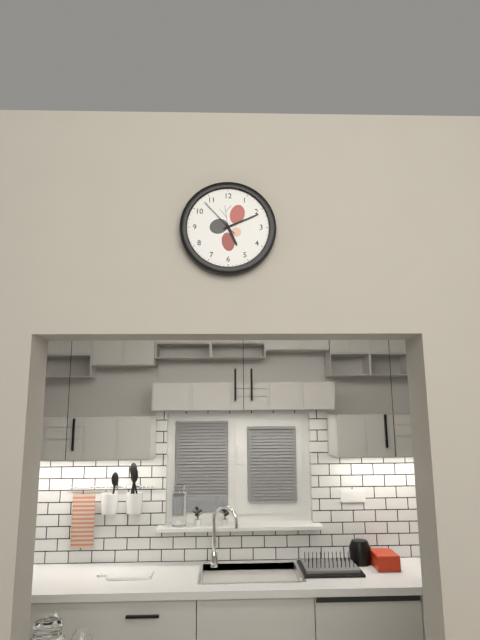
5:11
